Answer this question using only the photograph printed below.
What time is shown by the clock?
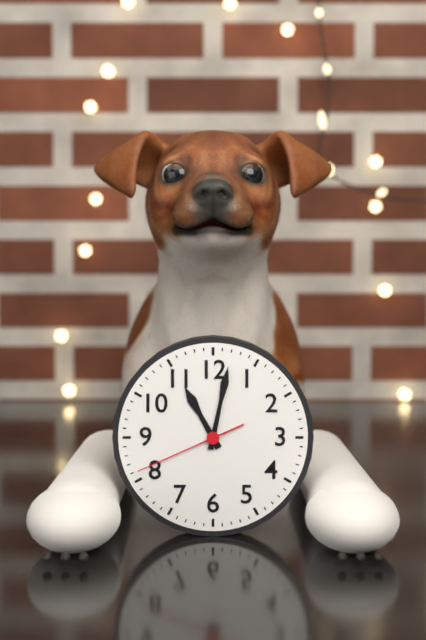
11:02:41
